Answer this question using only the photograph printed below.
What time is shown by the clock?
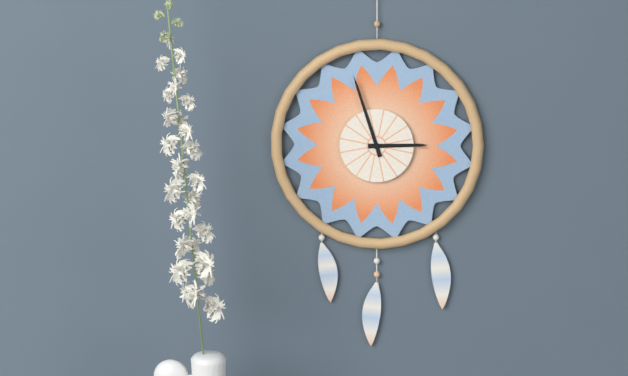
2:57
